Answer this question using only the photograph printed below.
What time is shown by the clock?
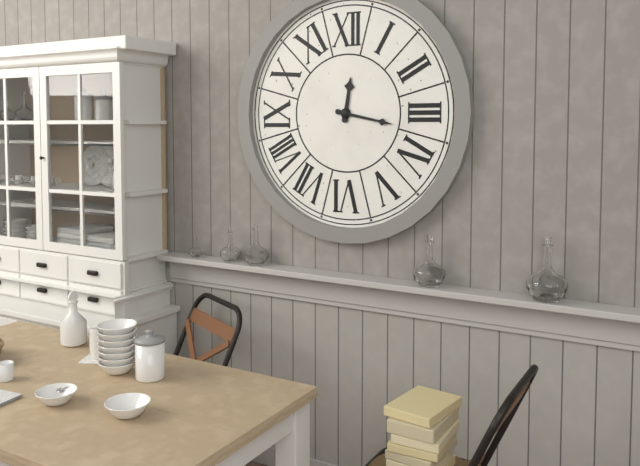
12:17
